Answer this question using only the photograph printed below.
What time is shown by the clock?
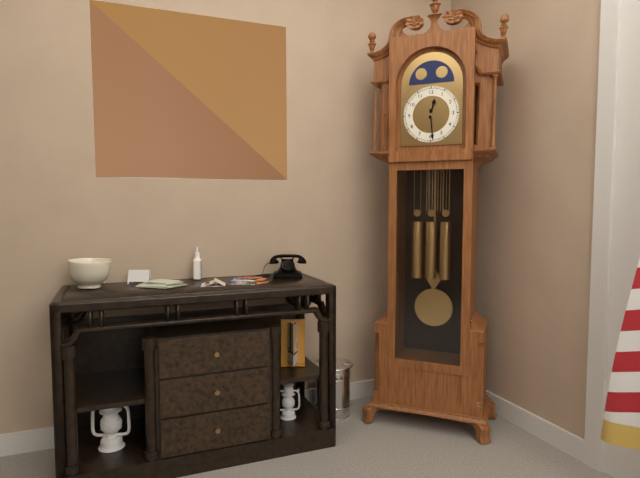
12:29
